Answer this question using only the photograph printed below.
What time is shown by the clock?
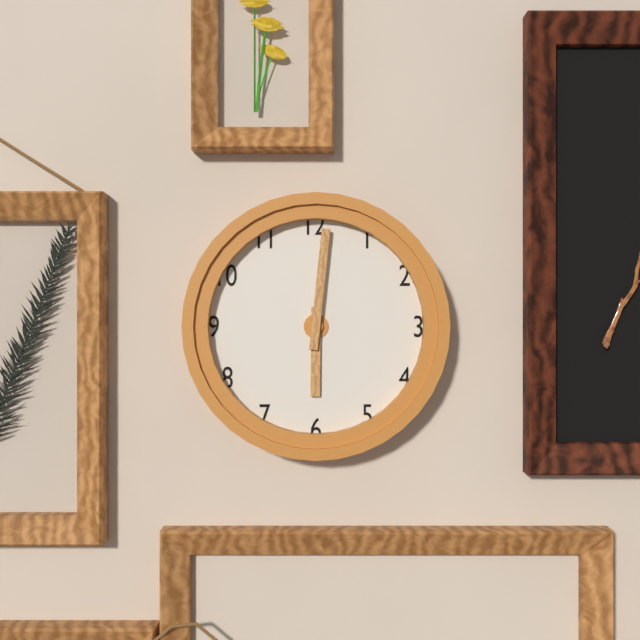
6:01
